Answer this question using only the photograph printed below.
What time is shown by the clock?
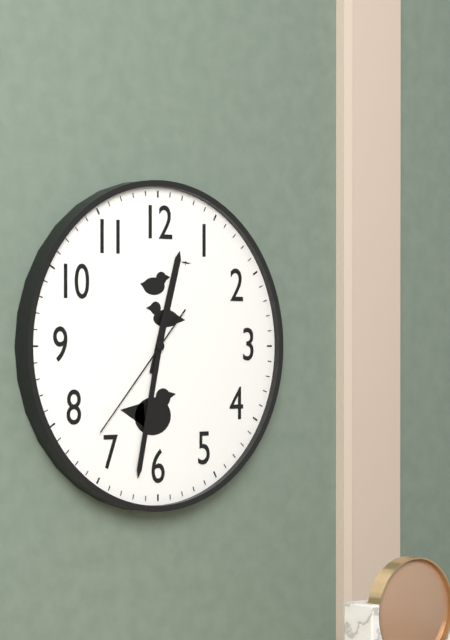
12:32:37
